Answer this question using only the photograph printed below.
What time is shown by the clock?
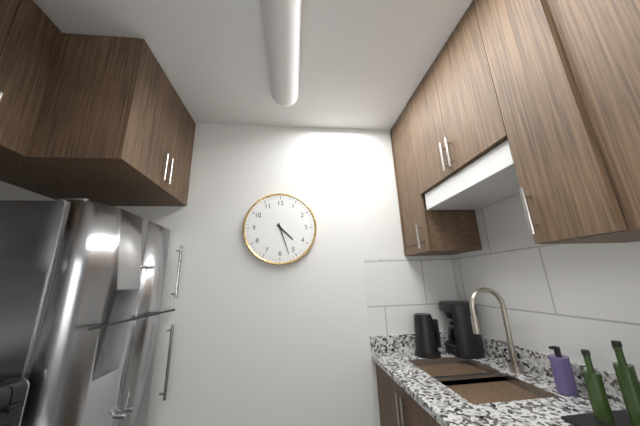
4:27
